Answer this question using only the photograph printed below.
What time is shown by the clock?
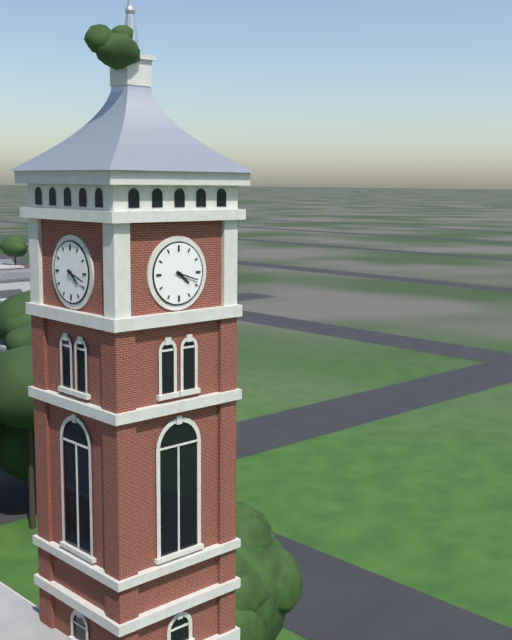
4:18
